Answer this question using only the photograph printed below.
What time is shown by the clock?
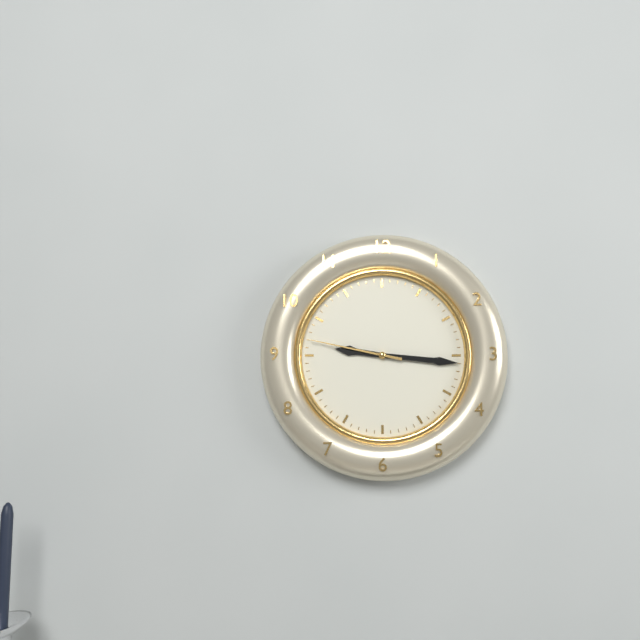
9:16:47
